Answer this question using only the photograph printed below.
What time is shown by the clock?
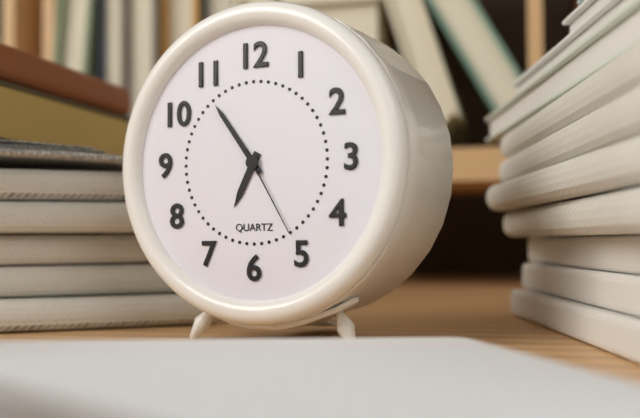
6:54:25
